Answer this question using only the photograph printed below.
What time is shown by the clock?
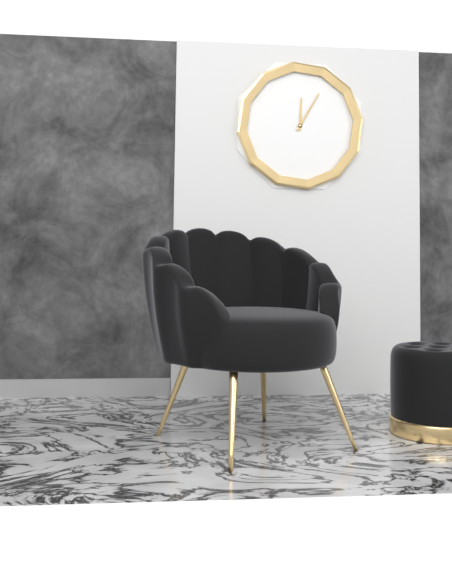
12:05
